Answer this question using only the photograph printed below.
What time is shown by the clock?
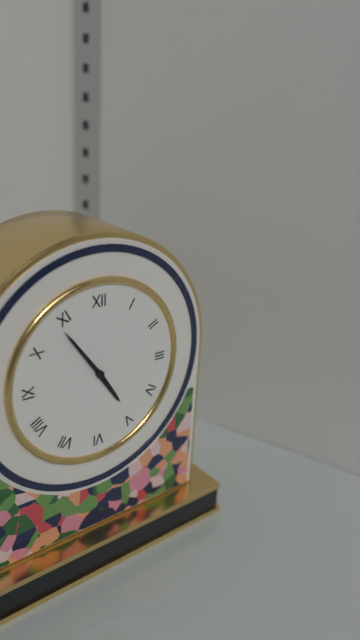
4:54
